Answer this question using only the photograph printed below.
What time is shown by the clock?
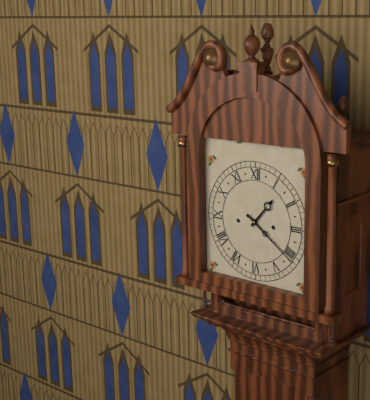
1:21
